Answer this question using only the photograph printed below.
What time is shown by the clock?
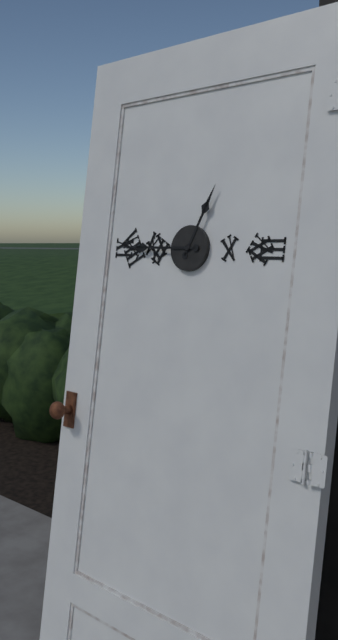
12:45
